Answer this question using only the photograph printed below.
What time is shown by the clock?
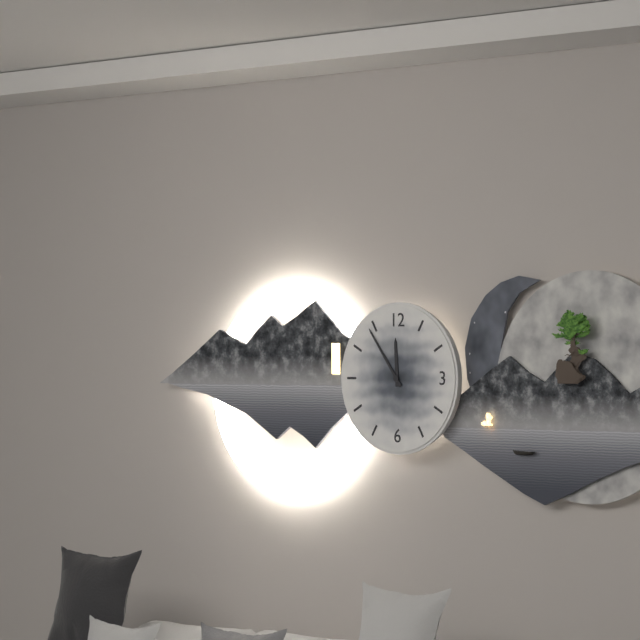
11:54
